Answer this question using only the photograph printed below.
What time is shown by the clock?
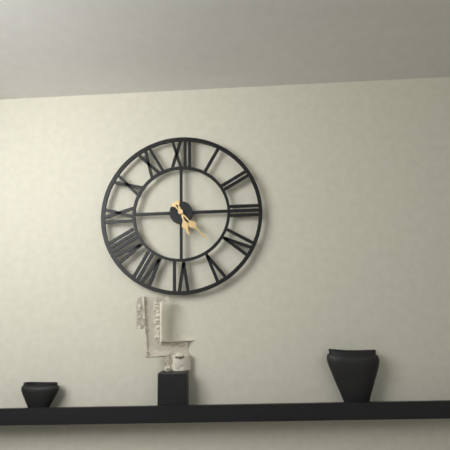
5:23
